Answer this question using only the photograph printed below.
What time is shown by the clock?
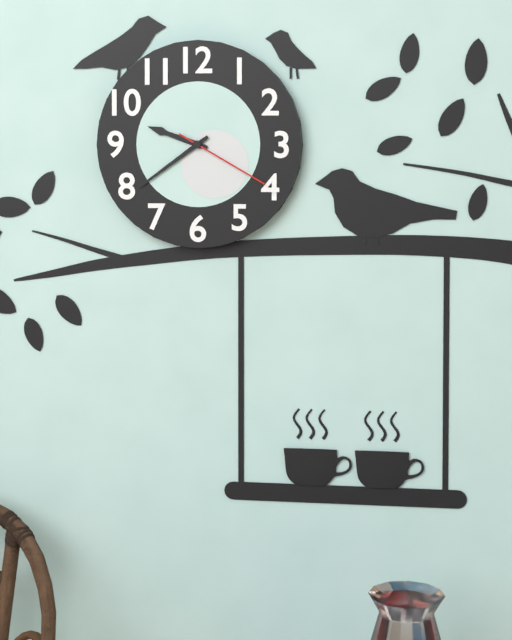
9:39:20
